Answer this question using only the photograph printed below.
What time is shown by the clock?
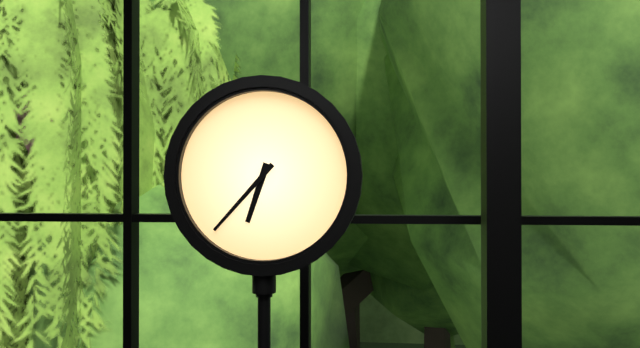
6:37
